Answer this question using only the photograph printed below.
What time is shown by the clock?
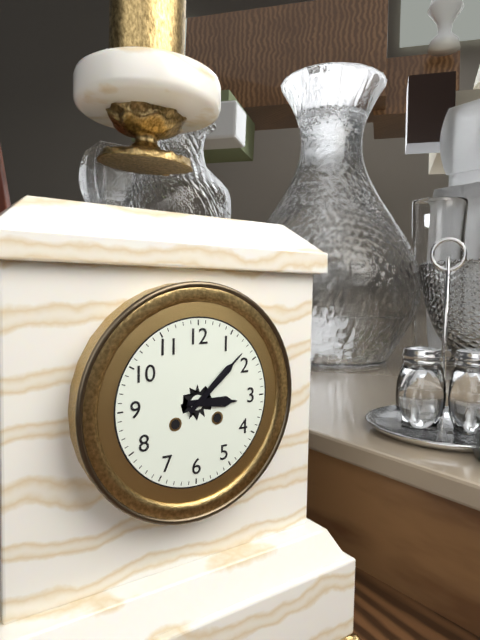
3:08
